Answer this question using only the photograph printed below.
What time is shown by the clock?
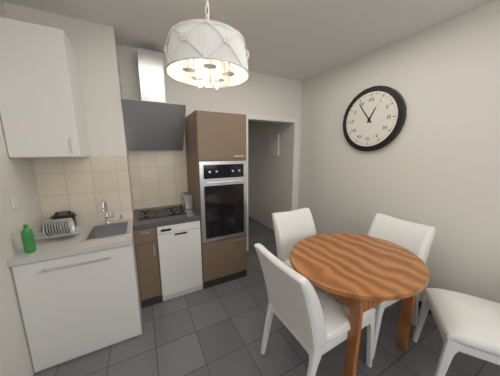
12:54
